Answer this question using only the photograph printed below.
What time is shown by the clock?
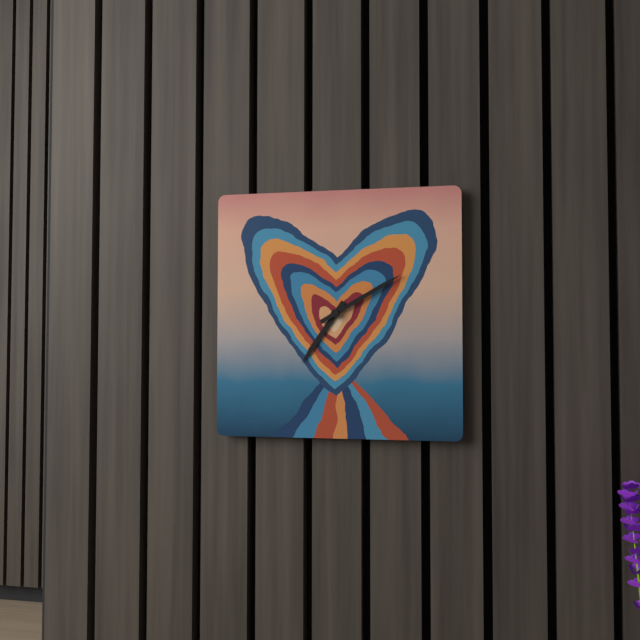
7:10
